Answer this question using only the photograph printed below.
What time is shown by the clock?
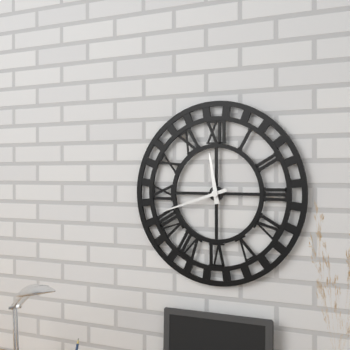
11:42
